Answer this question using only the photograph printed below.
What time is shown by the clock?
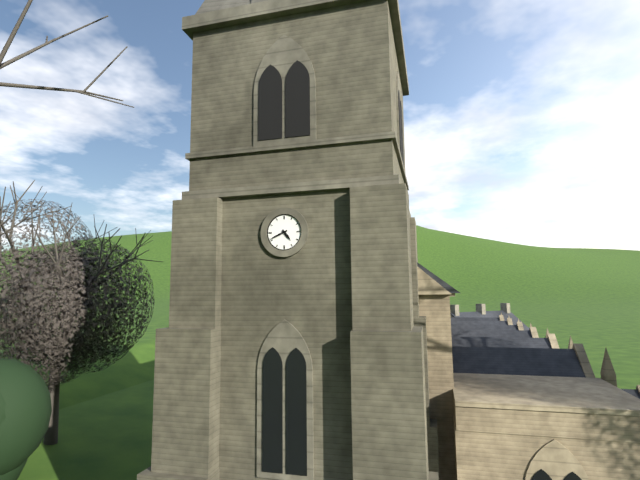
4:41
